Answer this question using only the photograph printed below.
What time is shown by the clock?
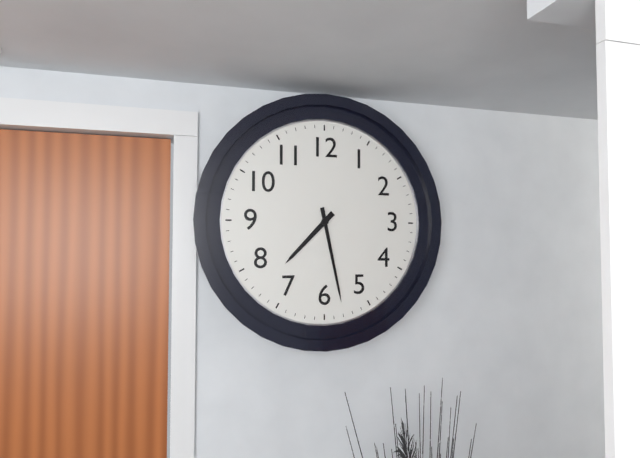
7:28
